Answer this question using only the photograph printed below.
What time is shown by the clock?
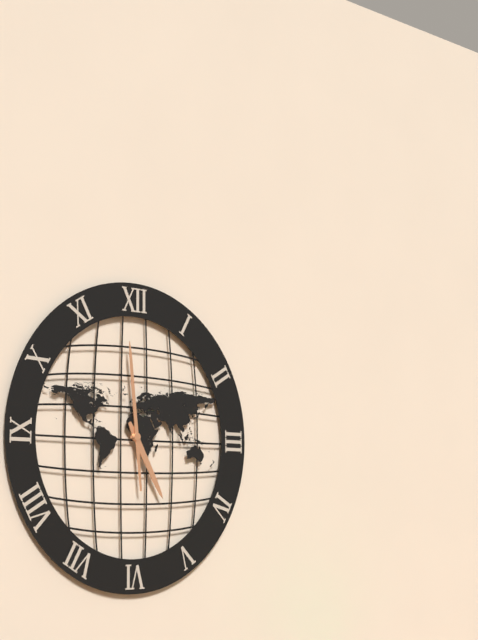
4:59
